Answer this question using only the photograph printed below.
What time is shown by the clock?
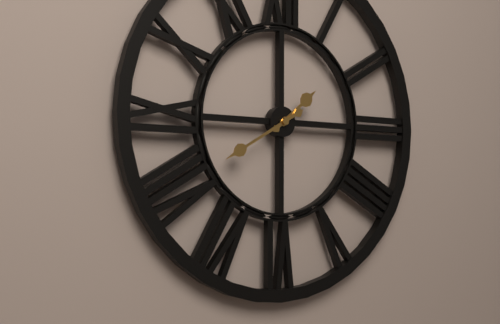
1:40
